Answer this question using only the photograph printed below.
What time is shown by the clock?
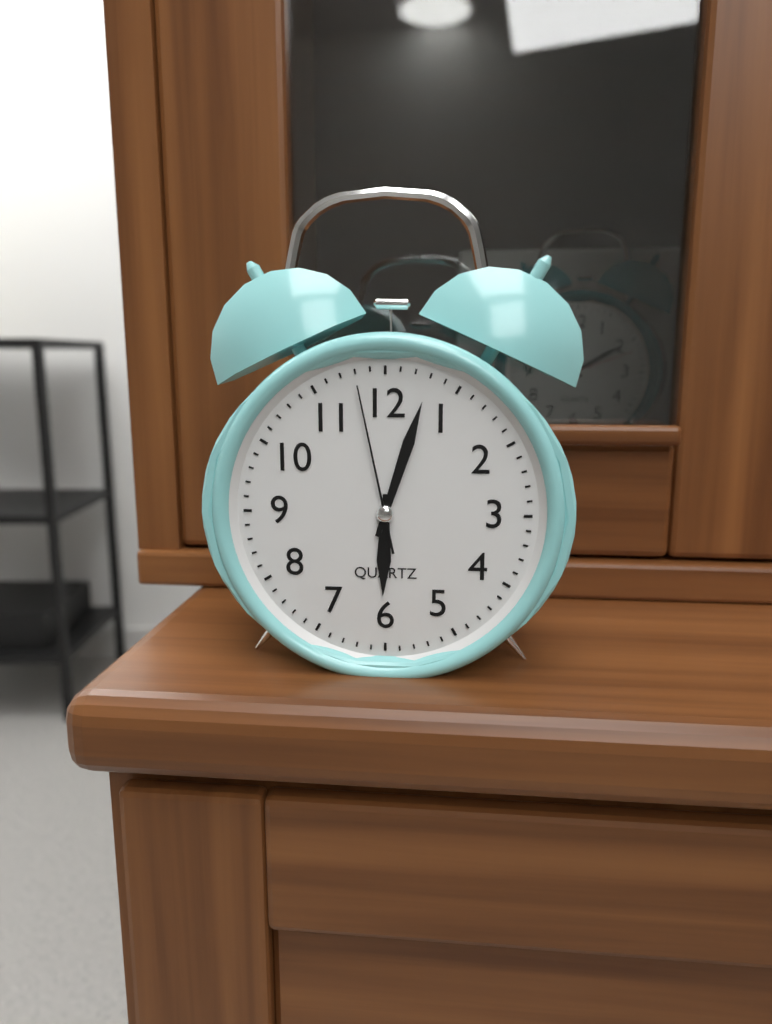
6:03:58
